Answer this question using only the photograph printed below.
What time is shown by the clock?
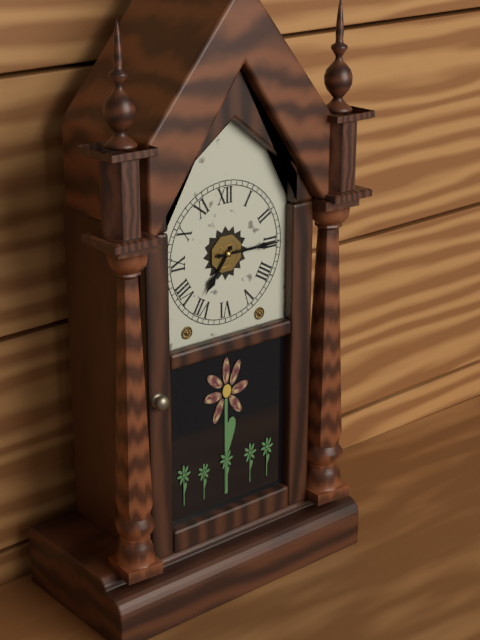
7:15
